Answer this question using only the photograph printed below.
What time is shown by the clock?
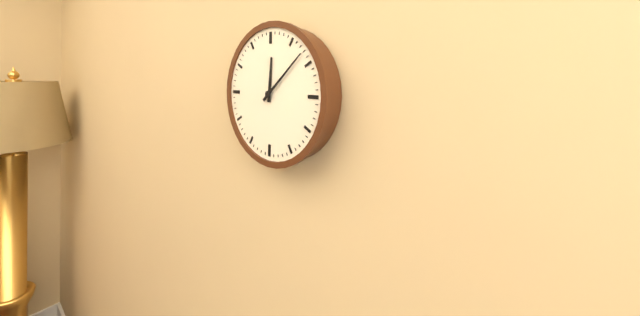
12:08
